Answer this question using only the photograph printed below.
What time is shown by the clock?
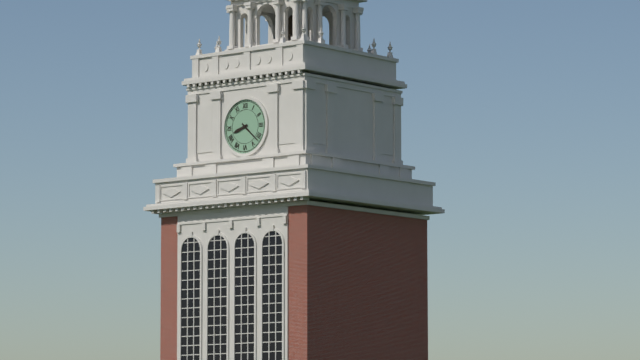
8:22
